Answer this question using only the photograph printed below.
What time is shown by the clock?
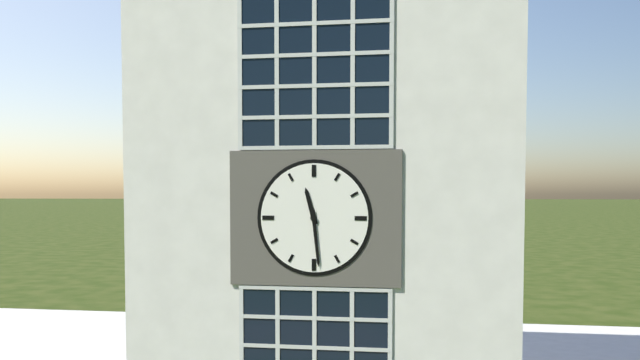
11:29
